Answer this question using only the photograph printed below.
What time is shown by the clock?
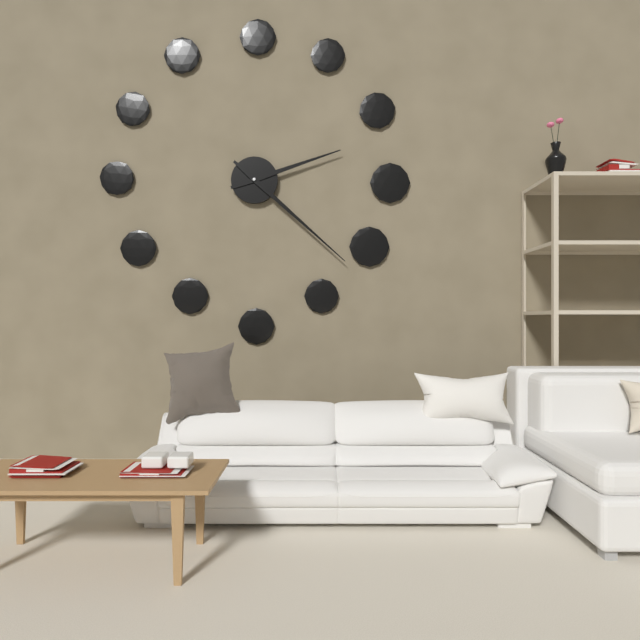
2:22
